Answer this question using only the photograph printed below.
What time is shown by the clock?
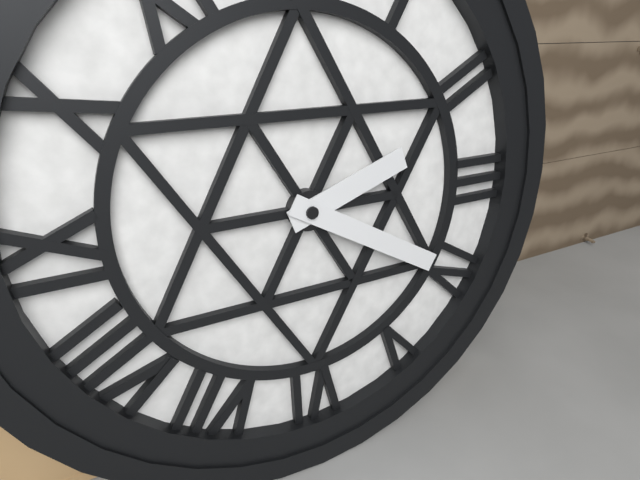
2:20
